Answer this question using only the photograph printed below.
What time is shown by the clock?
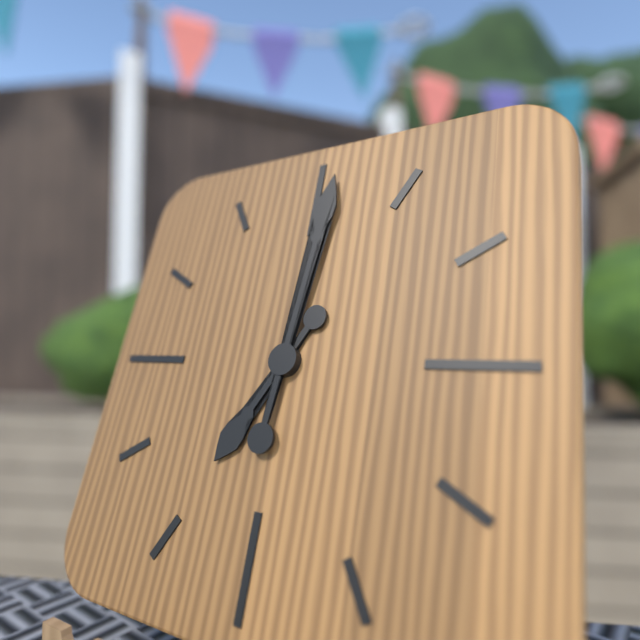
7:01
